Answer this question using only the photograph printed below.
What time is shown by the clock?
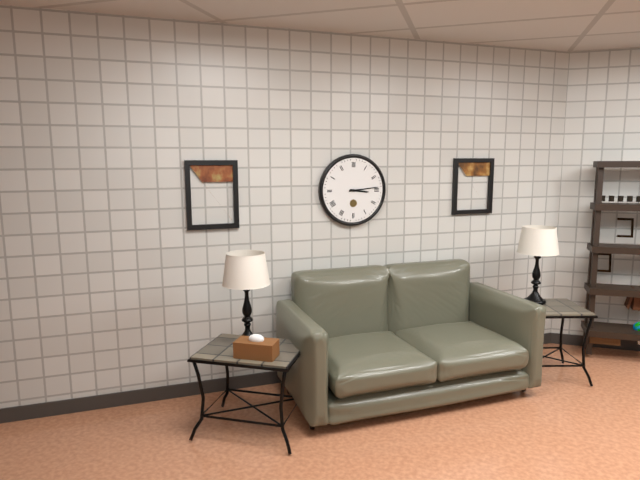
3:14
